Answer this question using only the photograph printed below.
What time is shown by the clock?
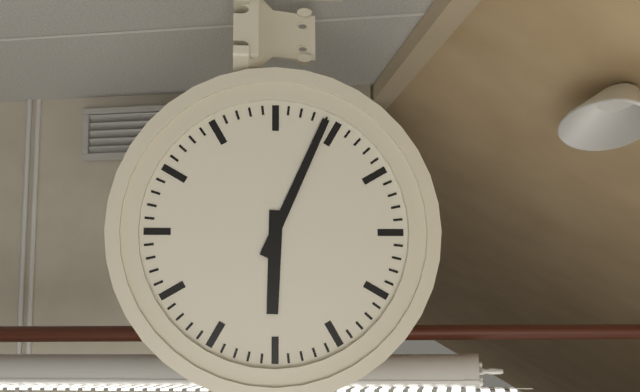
6:04
